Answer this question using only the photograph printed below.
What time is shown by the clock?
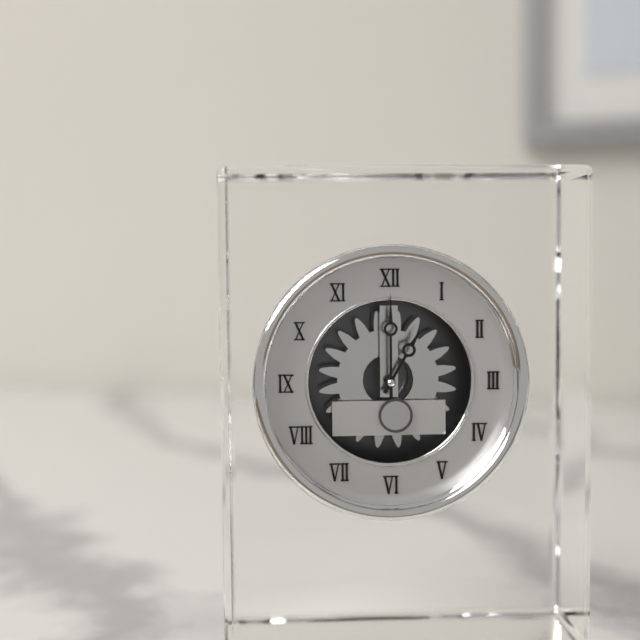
1:00
